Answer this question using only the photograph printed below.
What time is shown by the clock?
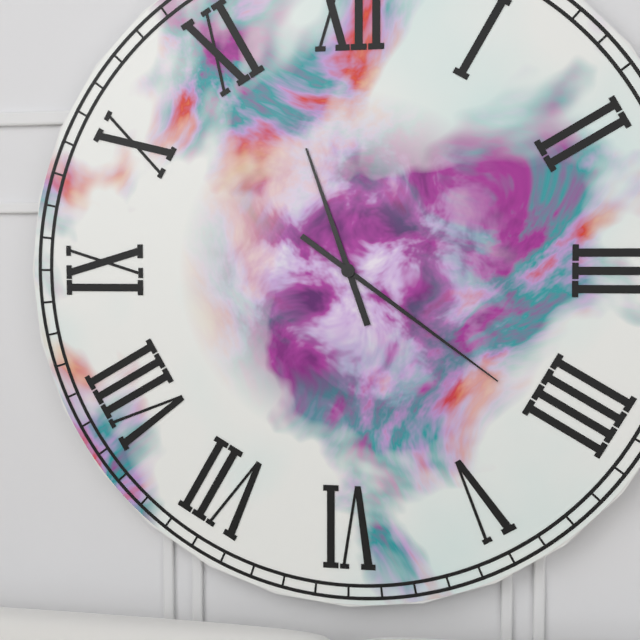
11:21
